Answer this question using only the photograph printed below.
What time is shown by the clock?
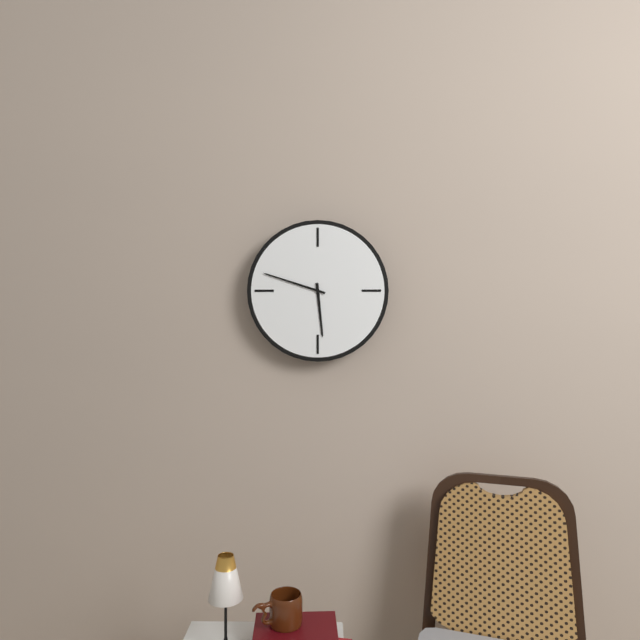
5:48
